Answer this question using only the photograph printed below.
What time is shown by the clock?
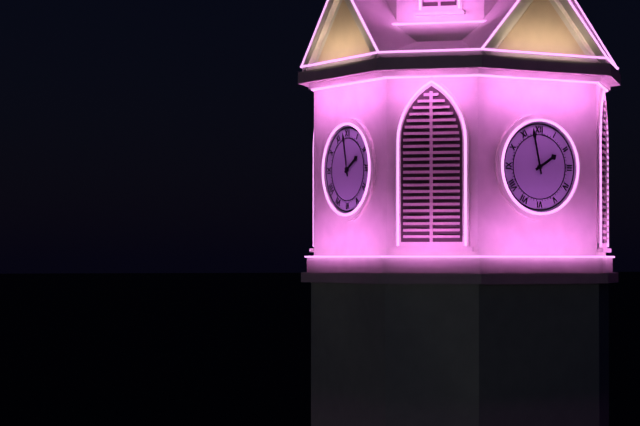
1:58
